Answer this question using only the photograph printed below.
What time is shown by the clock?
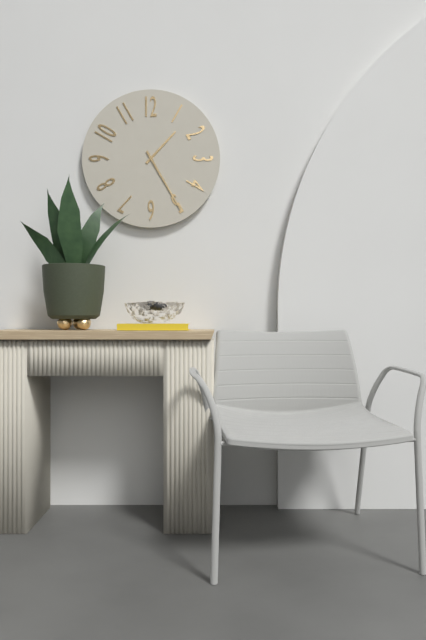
1:25
